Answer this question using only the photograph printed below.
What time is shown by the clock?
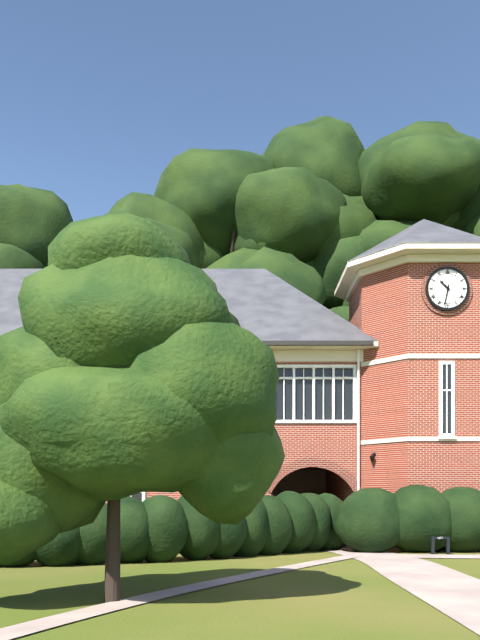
10:32
